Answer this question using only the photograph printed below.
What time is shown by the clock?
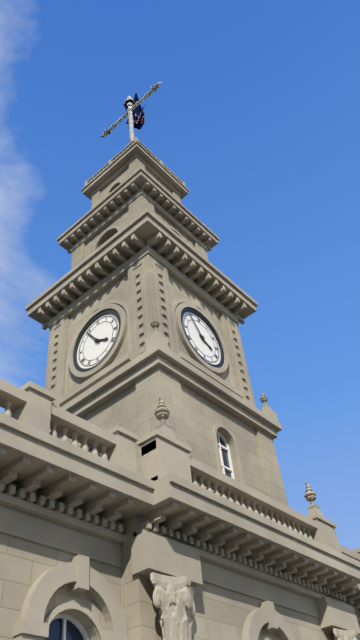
3:54
